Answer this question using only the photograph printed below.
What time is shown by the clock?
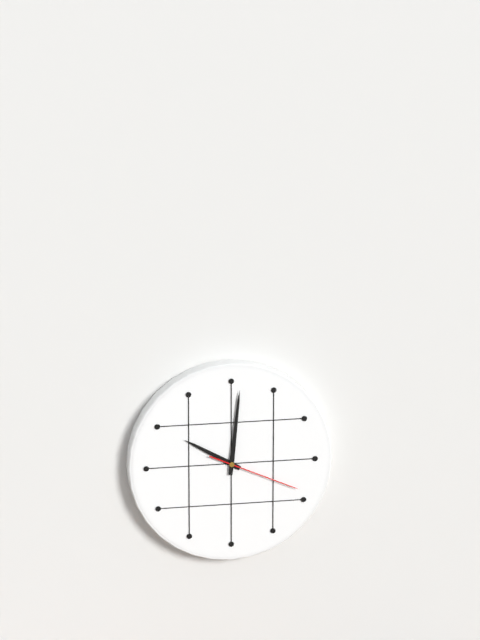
10:01:19
